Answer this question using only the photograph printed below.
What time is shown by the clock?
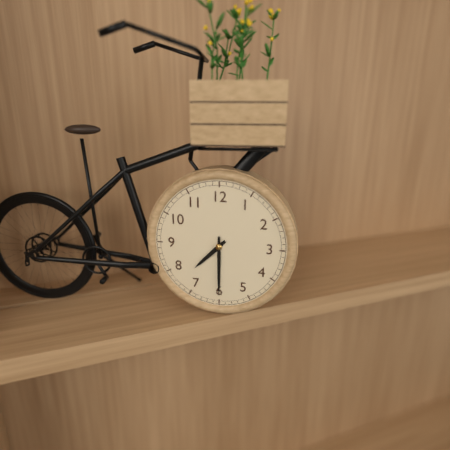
7:30
